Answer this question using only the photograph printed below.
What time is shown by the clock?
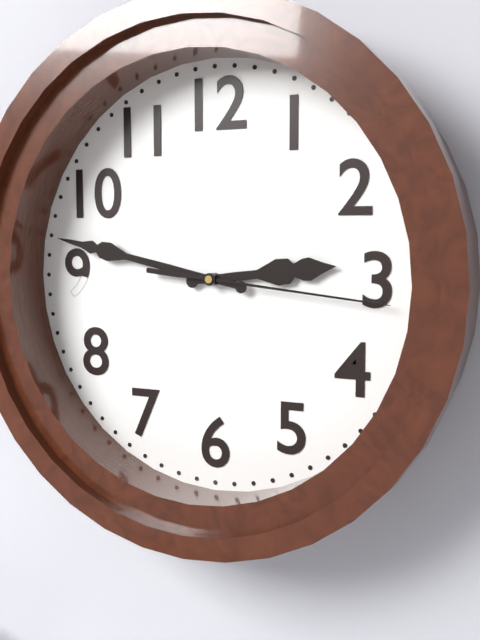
2:47:16
